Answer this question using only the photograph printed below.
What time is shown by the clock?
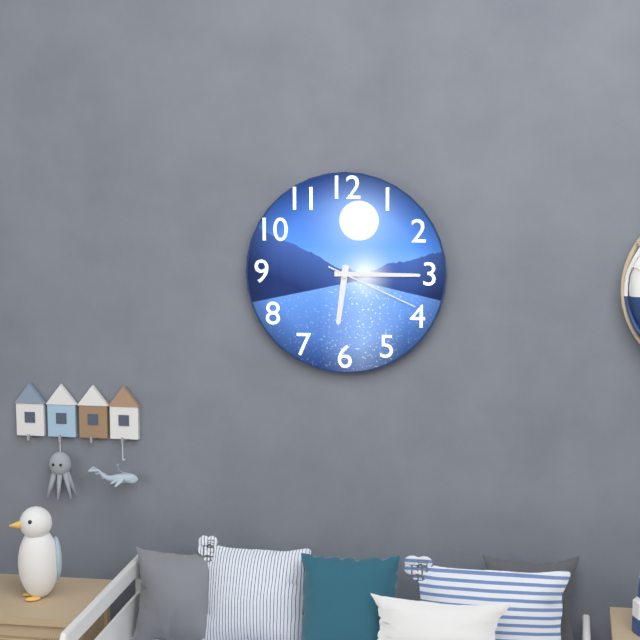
6:15:19
